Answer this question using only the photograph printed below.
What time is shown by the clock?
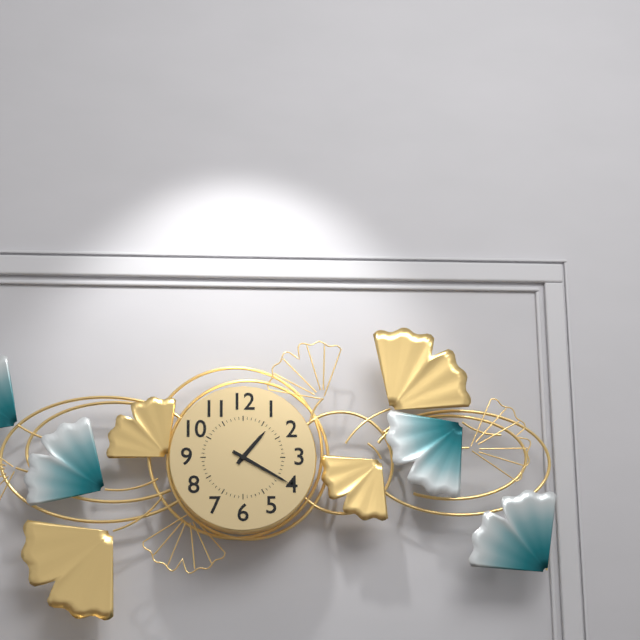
1:20
